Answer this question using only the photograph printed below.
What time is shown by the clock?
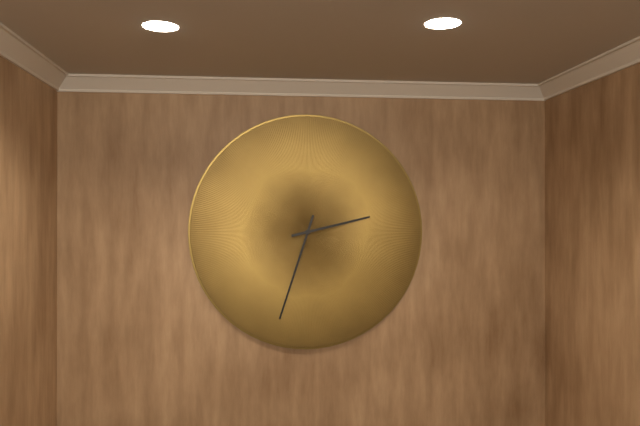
2:33
